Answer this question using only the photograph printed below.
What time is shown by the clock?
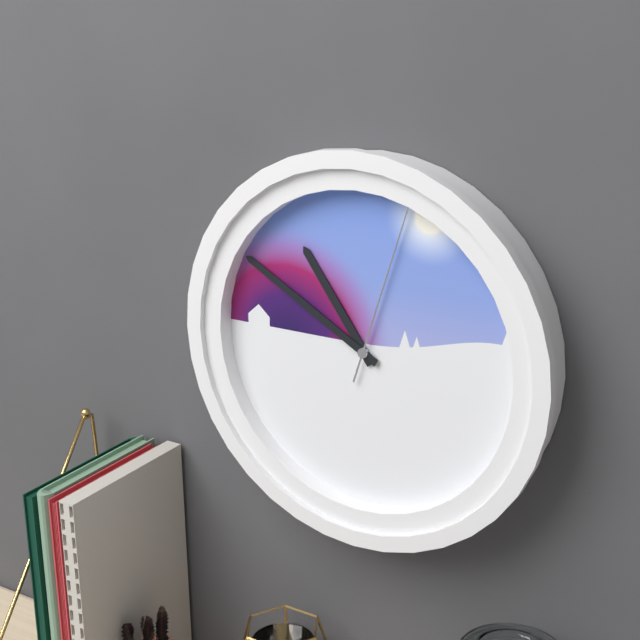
10:50:03
